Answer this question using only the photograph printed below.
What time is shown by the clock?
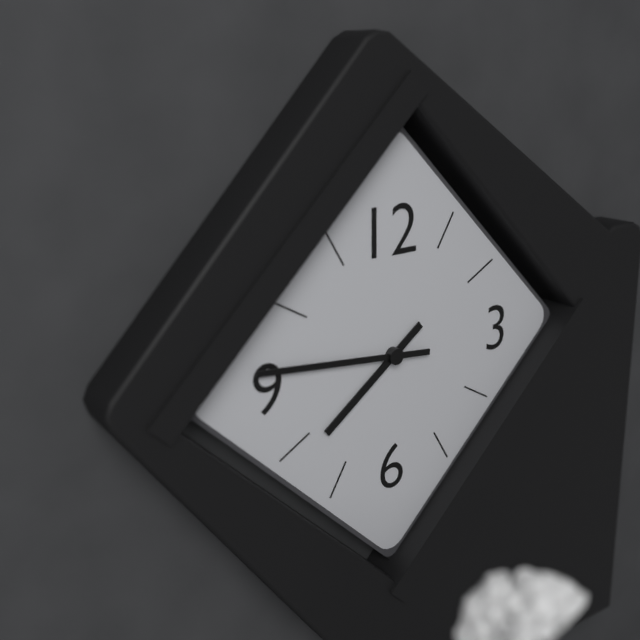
7:46
